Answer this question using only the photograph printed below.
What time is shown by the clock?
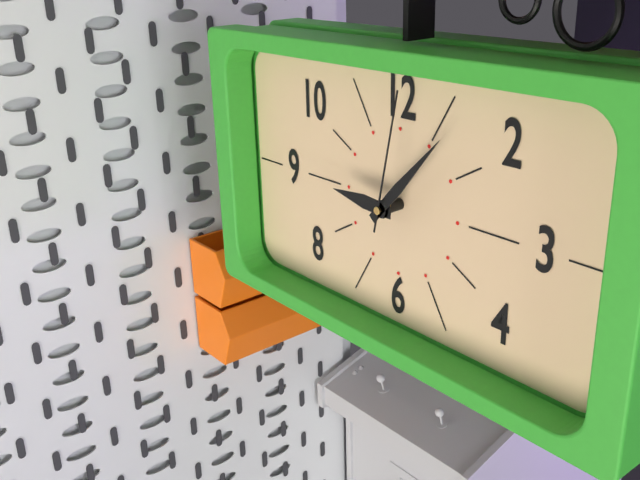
9:07:02
